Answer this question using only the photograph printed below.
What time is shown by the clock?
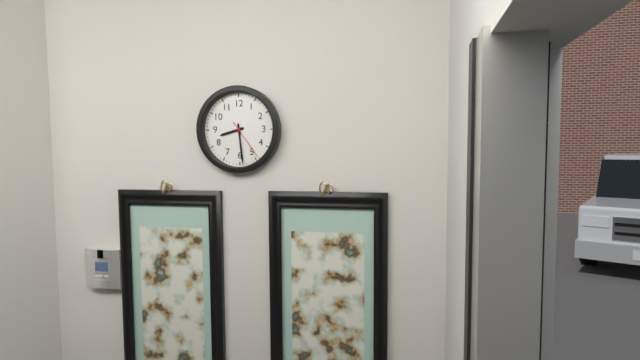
8:29
